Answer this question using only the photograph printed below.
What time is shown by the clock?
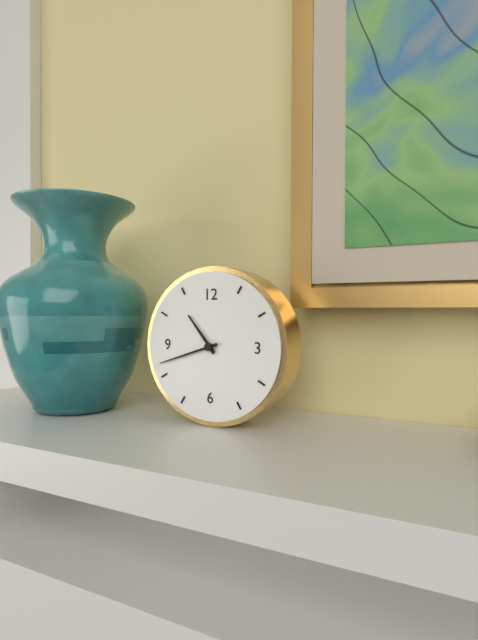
10:42
